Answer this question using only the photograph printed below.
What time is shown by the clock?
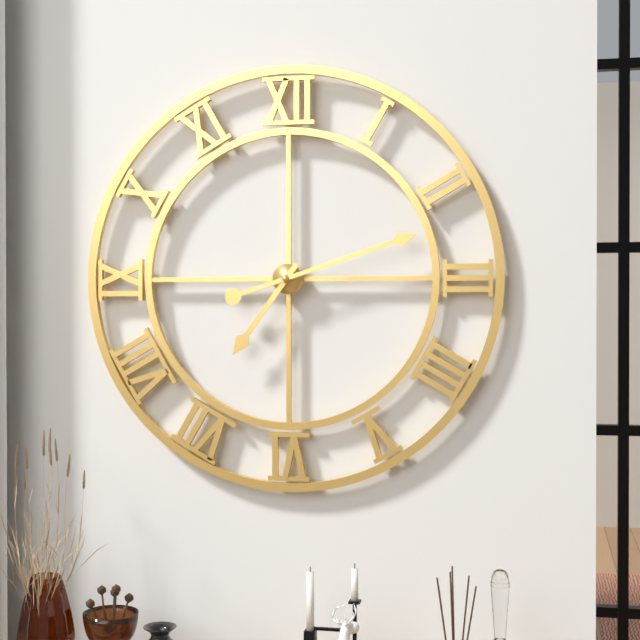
7:12
